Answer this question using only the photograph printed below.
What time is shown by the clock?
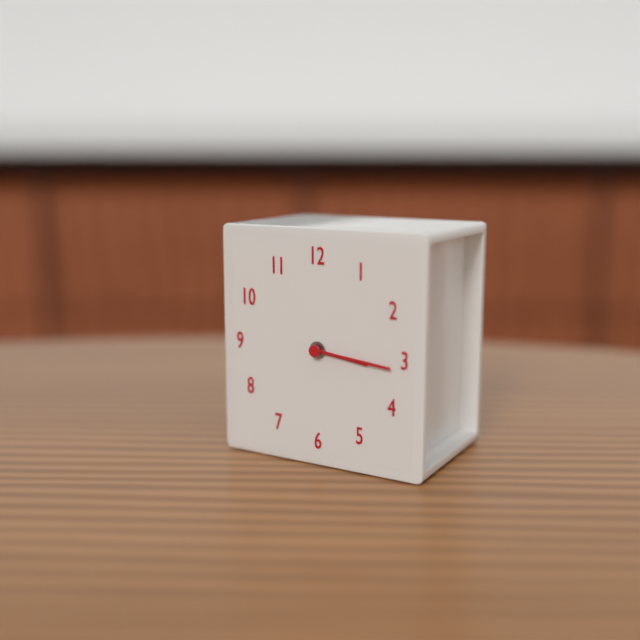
3:16
